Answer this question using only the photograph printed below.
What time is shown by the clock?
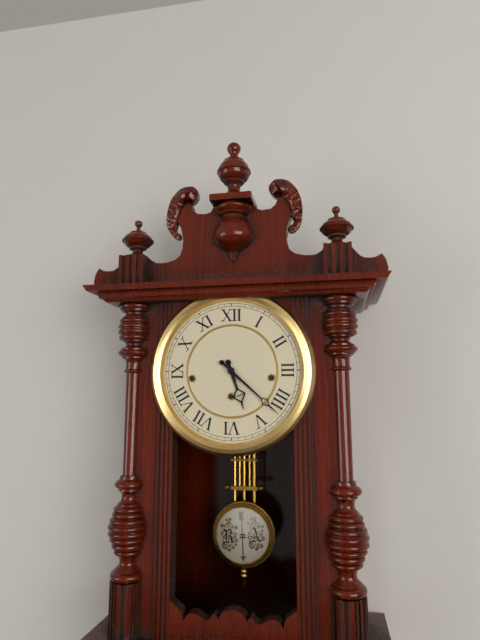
5:22
